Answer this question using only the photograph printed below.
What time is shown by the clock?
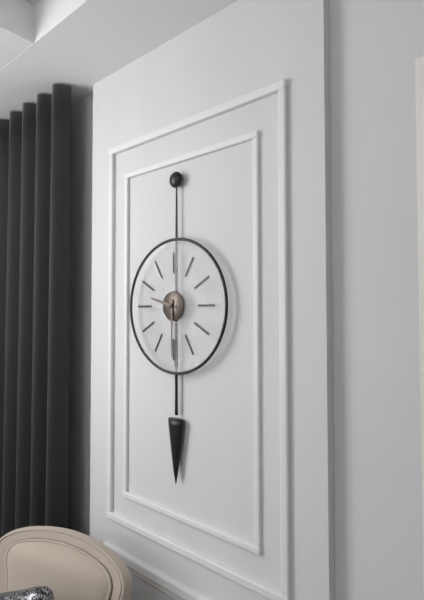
9:30
